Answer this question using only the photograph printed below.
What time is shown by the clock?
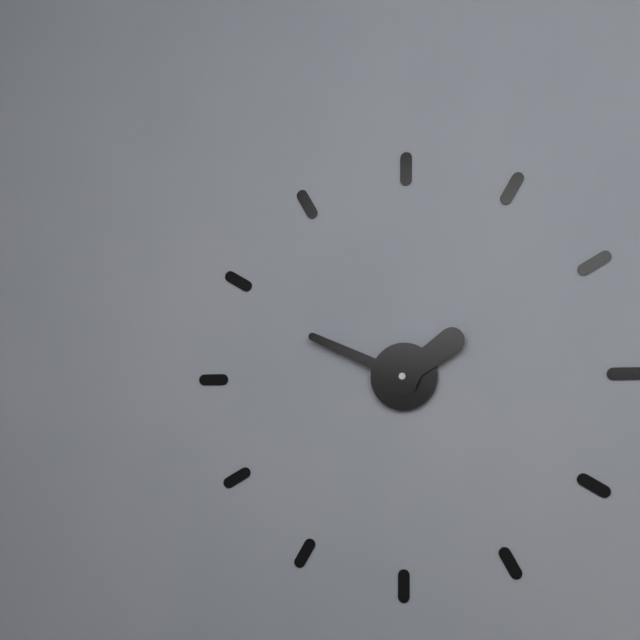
1:49
